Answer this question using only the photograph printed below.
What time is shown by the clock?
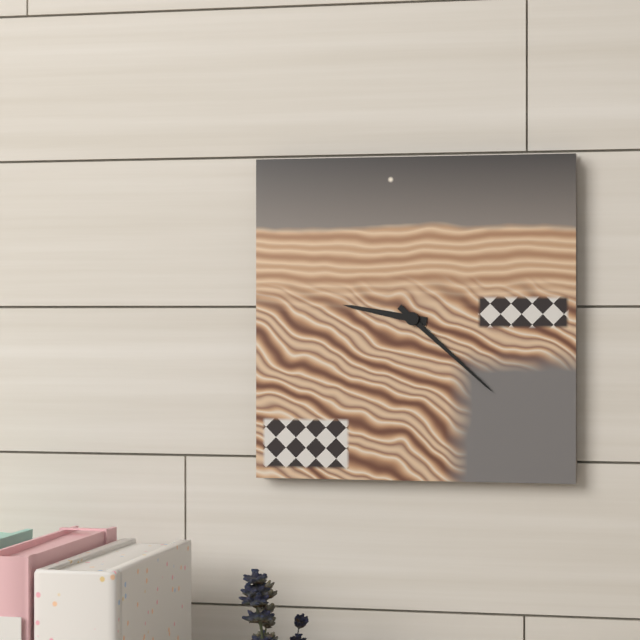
9:22
